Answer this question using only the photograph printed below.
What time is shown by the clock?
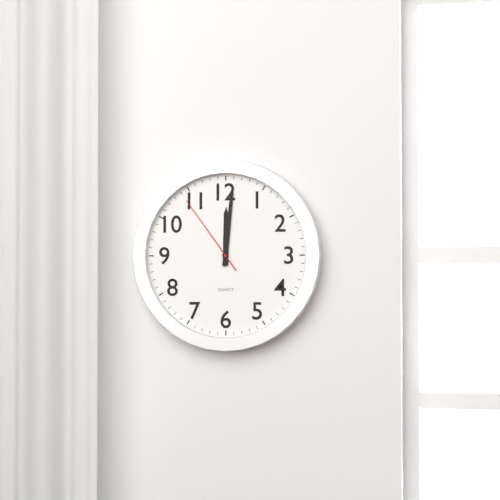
12:01:54
